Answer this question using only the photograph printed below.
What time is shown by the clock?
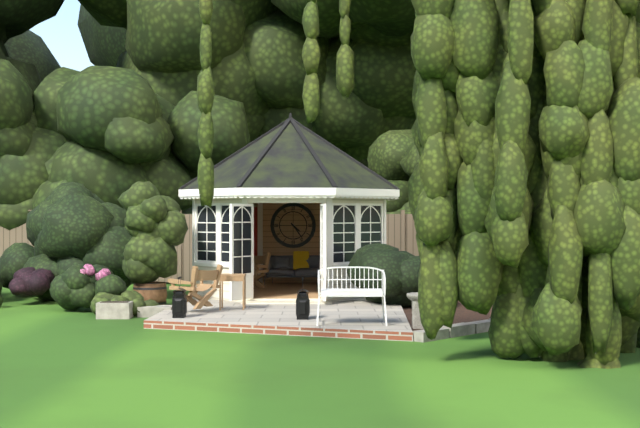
4:24
